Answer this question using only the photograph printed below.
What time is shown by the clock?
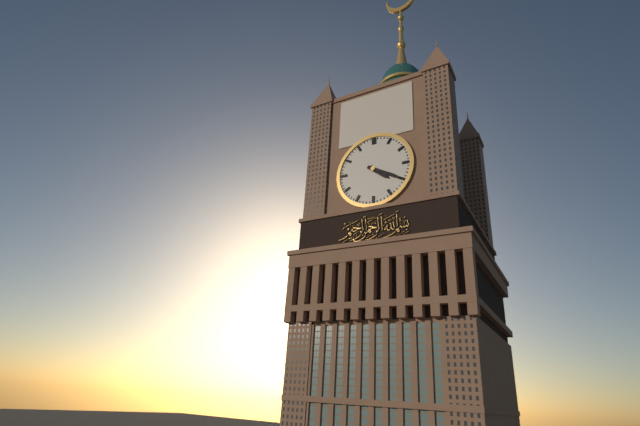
4:20
